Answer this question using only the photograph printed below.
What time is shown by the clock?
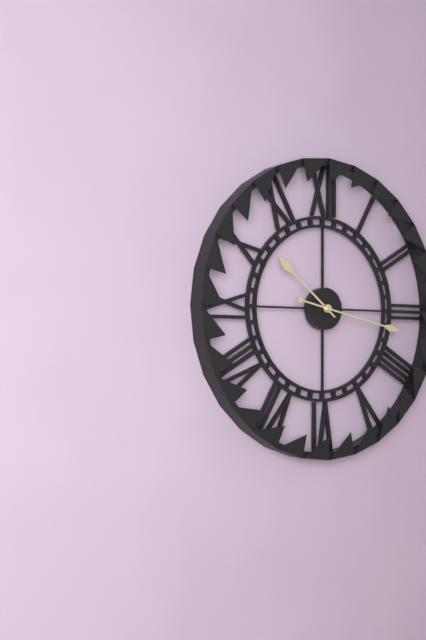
10:17
